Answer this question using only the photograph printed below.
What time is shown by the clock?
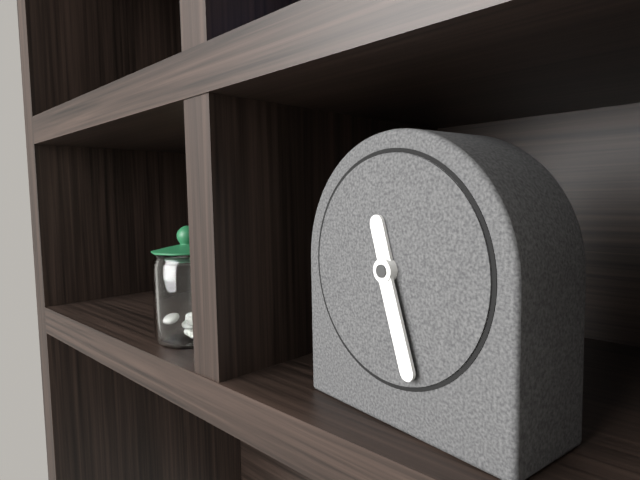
11:27
